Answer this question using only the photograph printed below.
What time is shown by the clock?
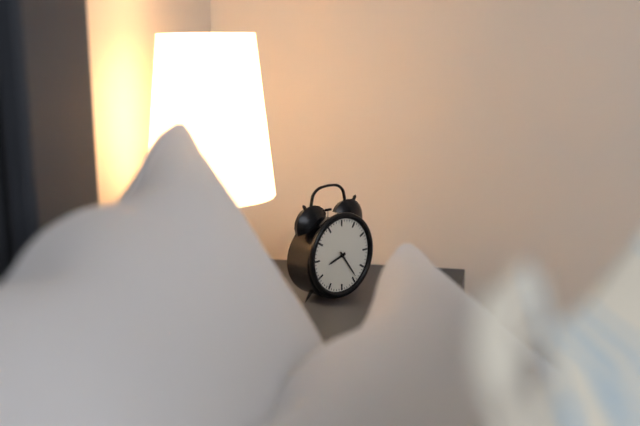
8:24
